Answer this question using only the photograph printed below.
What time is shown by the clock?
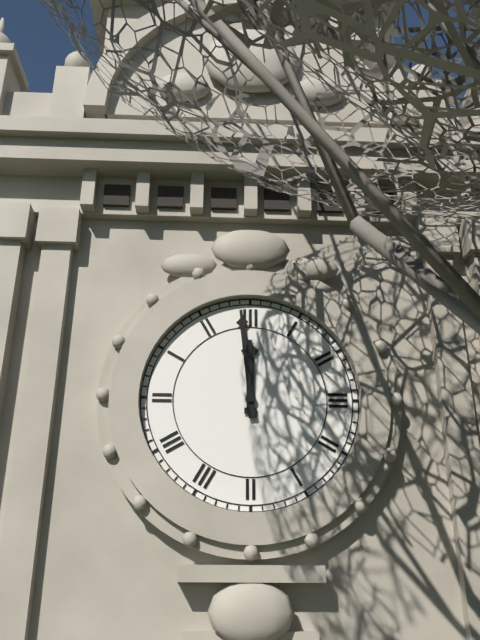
11:59
